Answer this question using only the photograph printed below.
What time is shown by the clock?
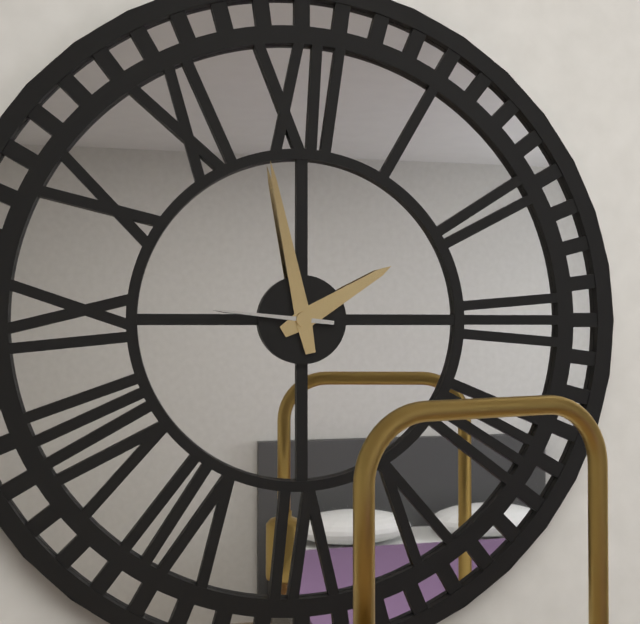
1:58:46
